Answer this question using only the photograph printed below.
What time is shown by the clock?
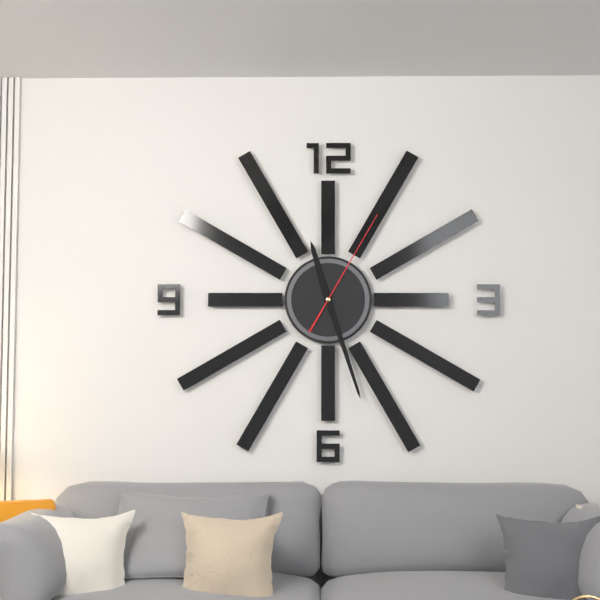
11:27:05
